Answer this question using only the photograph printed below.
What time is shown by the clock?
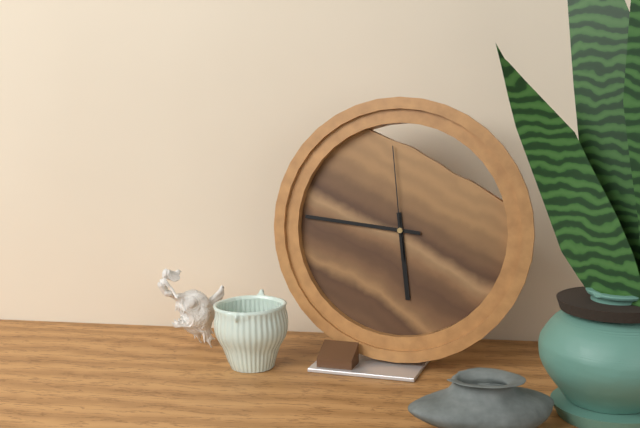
5:46:59
